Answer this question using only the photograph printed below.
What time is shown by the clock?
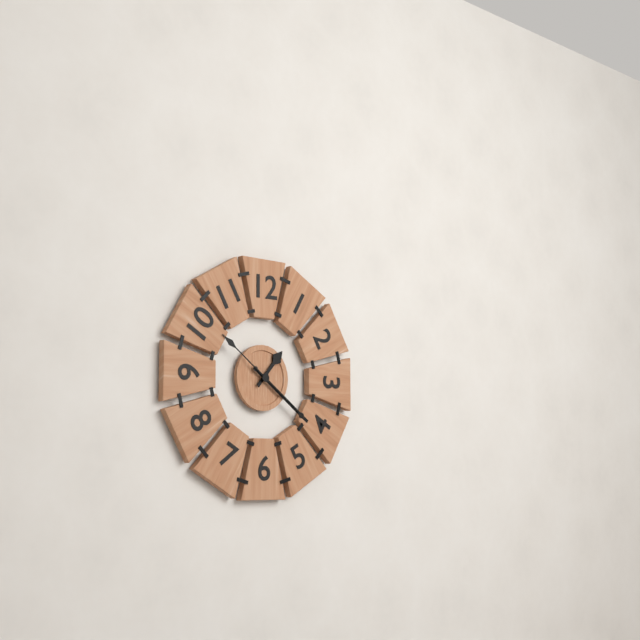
1:21:51
